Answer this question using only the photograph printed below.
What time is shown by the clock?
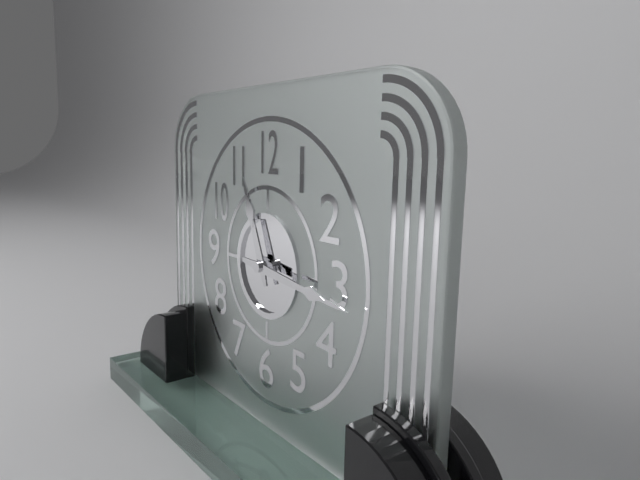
11:16
